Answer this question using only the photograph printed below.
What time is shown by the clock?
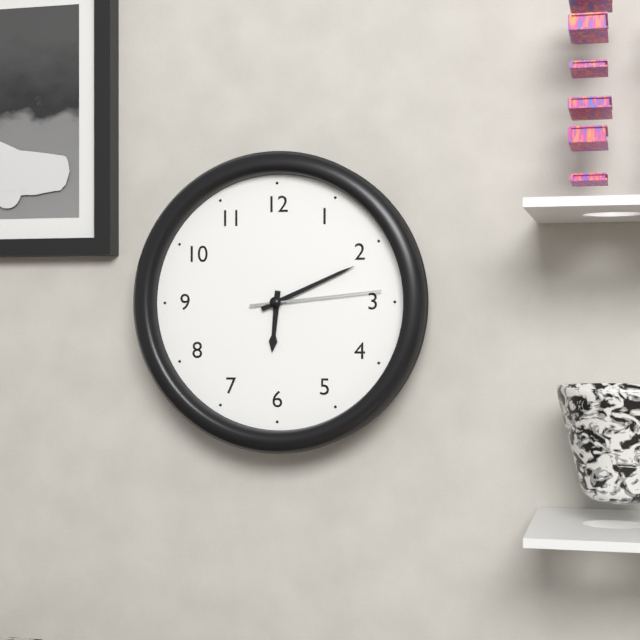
6:11:14
